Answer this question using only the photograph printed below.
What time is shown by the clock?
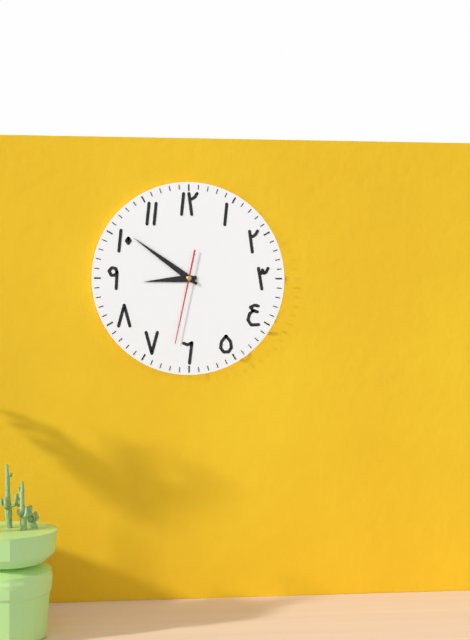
8:51:32
